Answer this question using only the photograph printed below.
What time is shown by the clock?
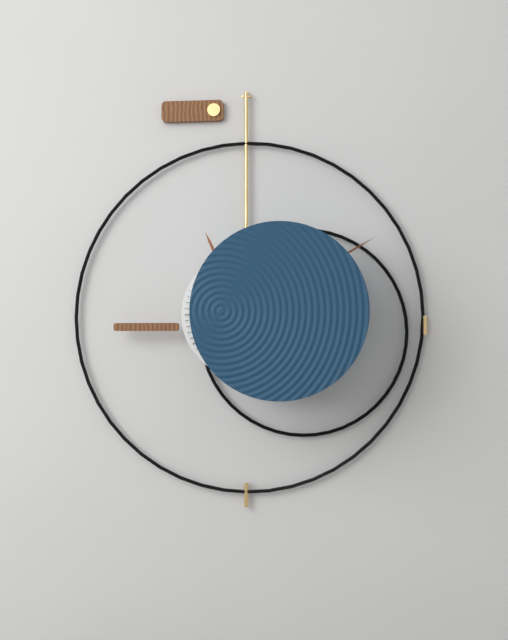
11:10
